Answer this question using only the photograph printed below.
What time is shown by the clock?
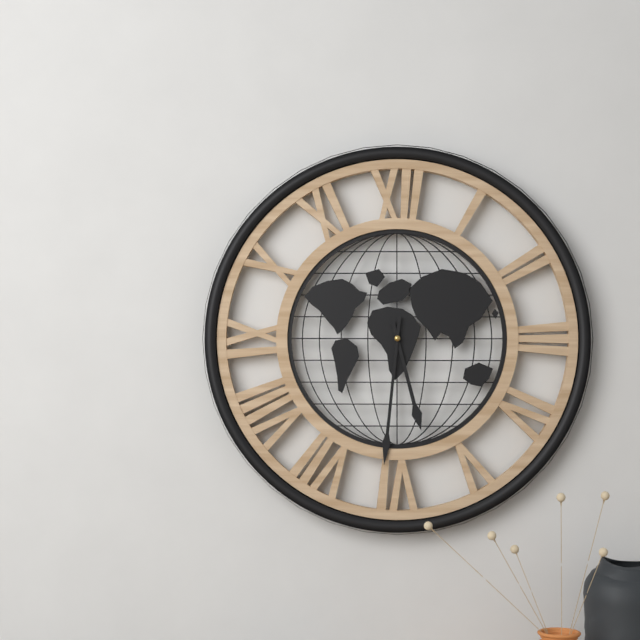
5:31
